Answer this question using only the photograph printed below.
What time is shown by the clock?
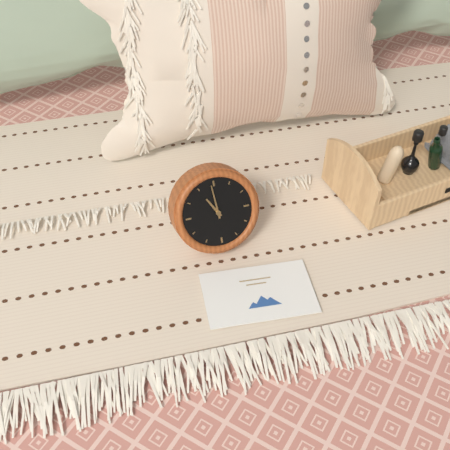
10:59
